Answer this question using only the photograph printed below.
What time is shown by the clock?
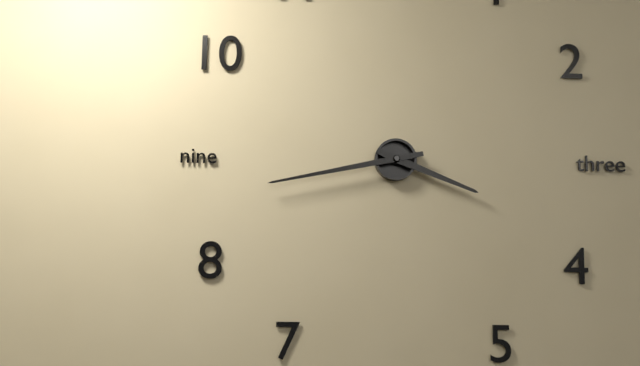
3:43
